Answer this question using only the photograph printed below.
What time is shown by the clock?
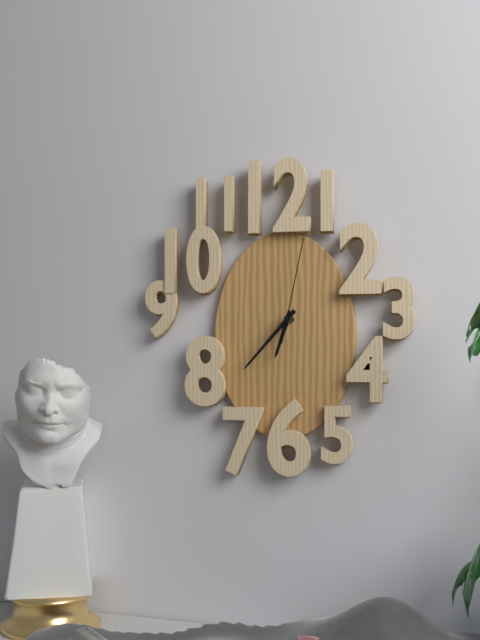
6:37:02
